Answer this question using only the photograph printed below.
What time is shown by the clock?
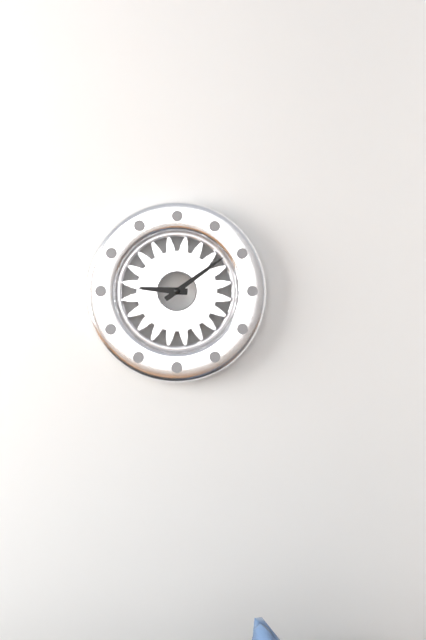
9:09
